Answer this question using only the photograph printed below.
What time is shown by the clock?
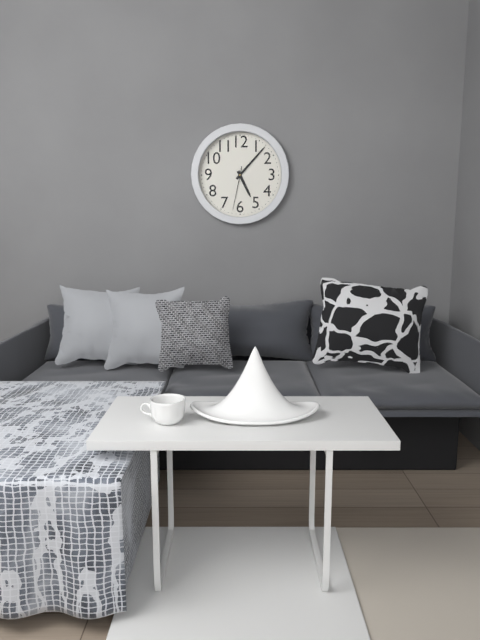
5:07
